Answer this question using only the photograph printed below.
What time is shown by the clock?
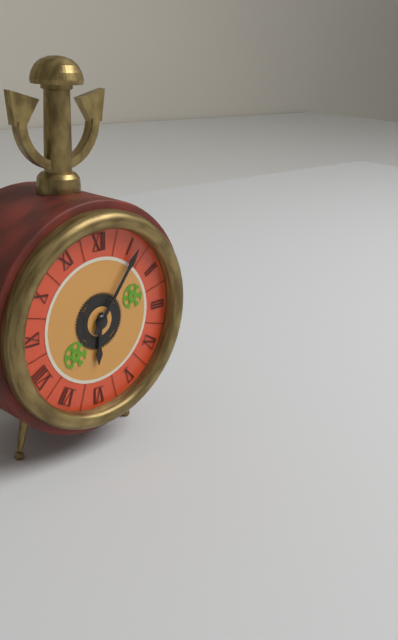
6:06
